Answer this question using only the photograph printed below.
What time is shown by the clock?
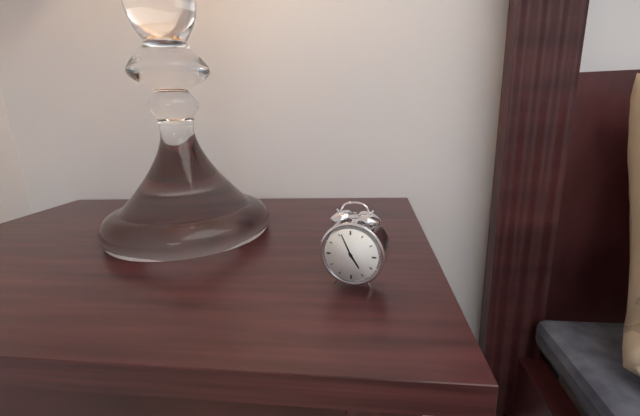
4:56
